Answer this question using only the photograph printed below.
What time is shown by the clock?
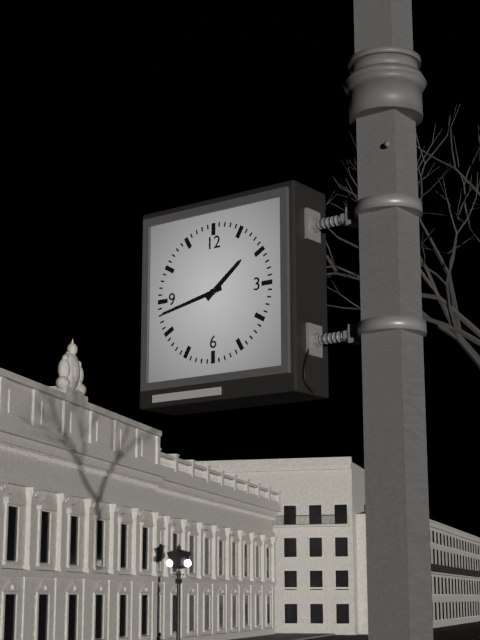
1:43
